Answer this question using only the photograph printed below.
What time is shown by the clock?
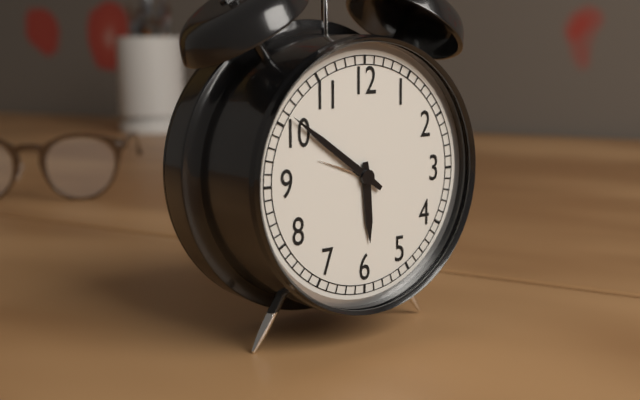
5:51
